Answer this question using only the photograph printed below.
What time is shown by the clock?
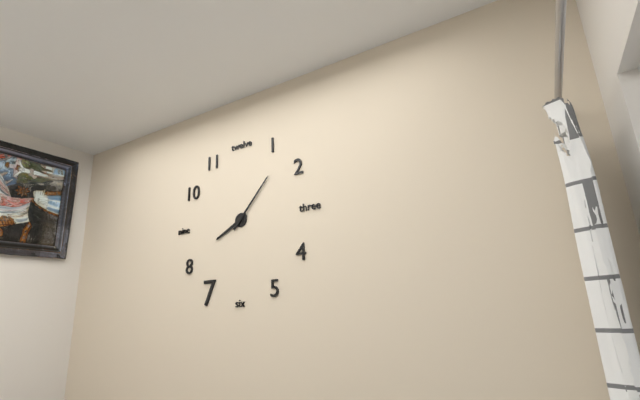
8:07
